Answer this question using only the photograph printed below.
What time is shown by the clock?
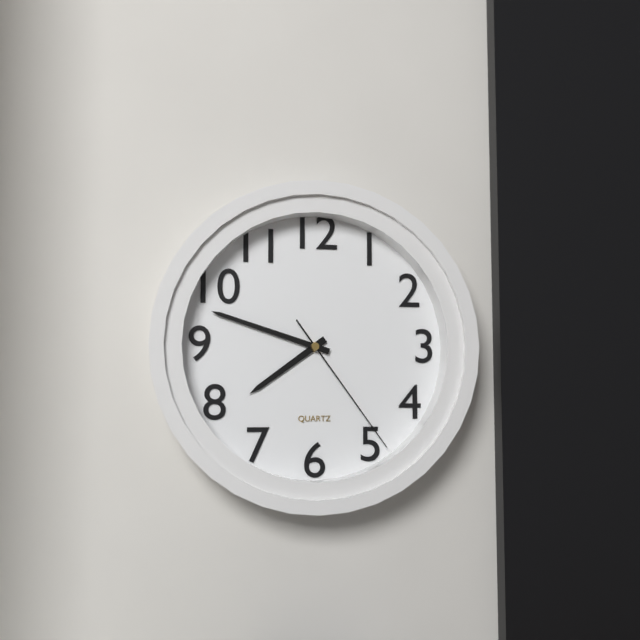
7:48:24
